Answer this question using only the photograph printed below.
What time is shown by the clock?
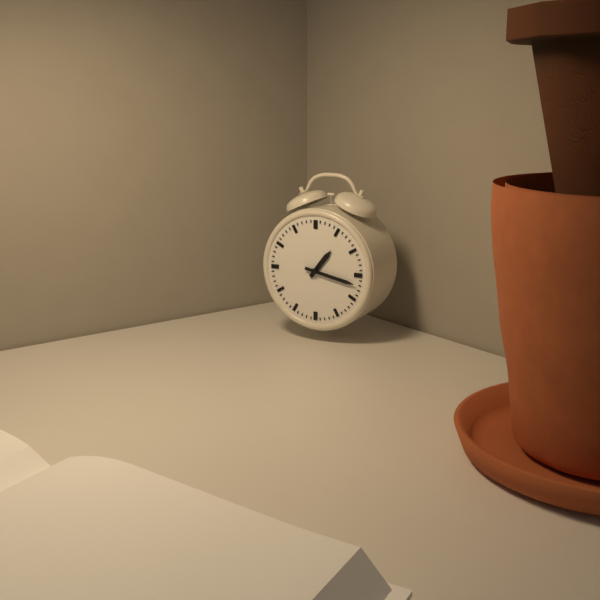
1:17
